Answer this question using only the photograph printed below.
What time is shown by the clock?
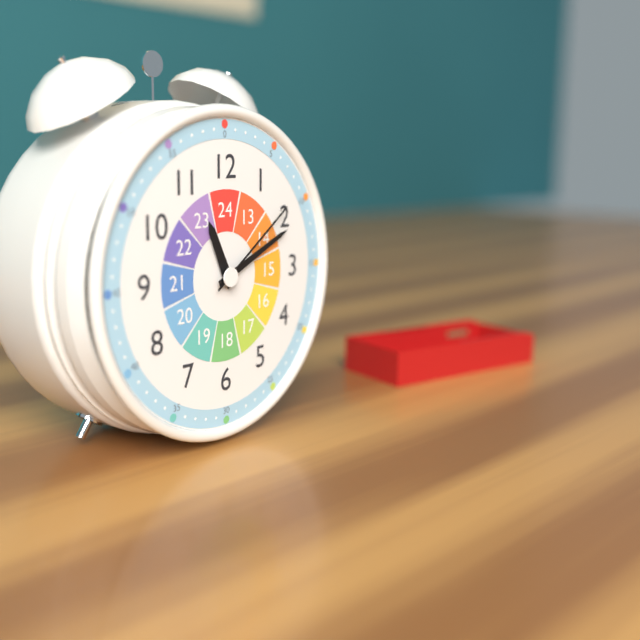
11:11:09
